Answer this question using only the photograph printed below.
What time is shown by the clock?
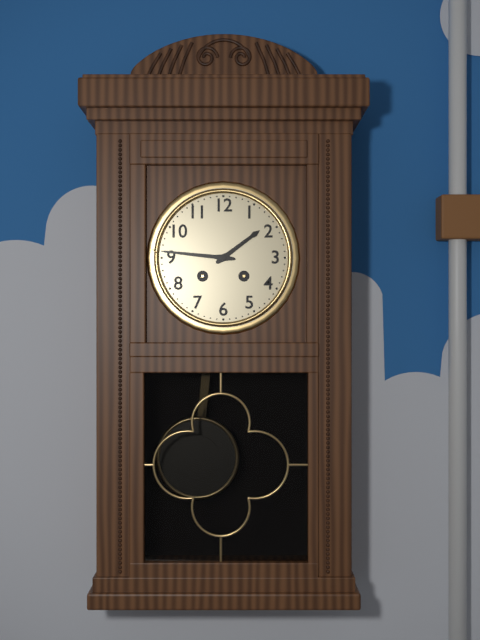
1:46
